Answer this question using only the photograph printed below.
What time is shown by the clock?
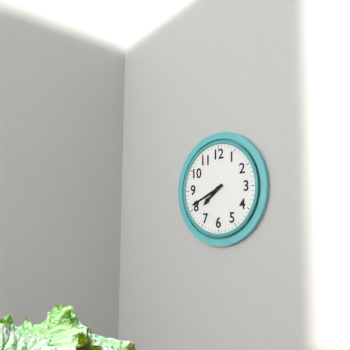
7:41
